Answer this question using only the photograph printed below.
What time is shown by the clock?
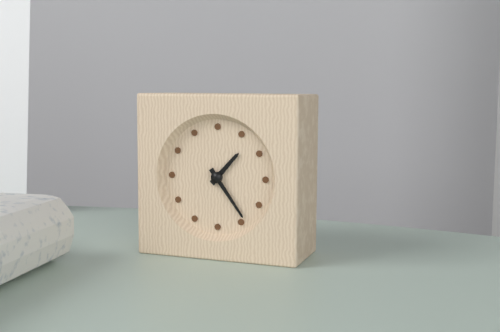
1:24
